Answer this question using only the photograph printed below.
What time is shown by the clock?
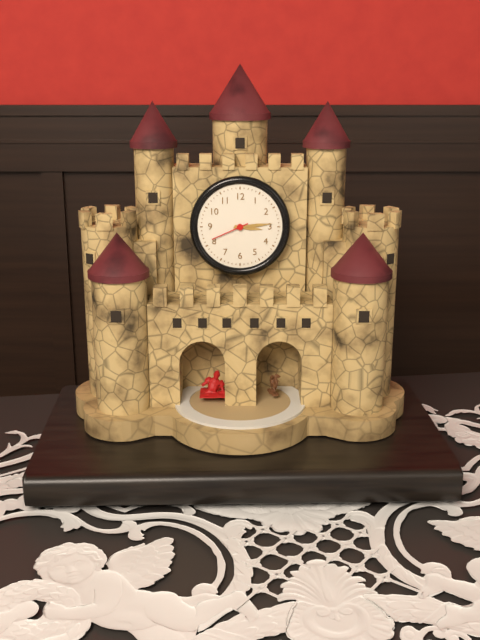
3:14
